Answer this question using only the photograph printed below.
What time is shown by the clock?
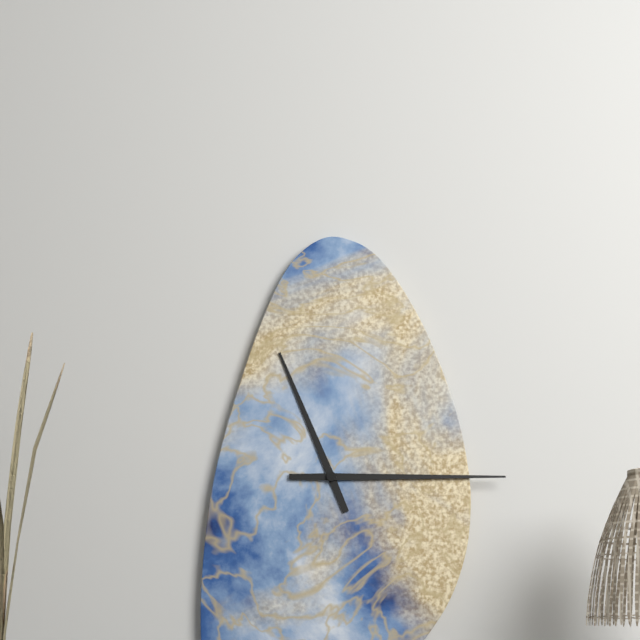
11:15
